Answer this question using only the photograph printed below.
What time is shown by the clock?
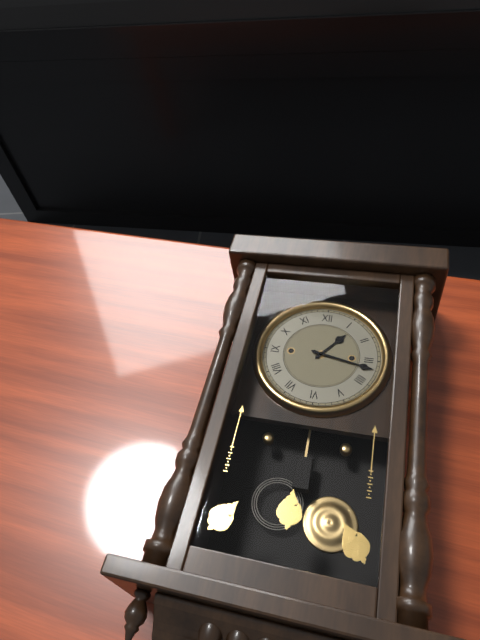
1:17
